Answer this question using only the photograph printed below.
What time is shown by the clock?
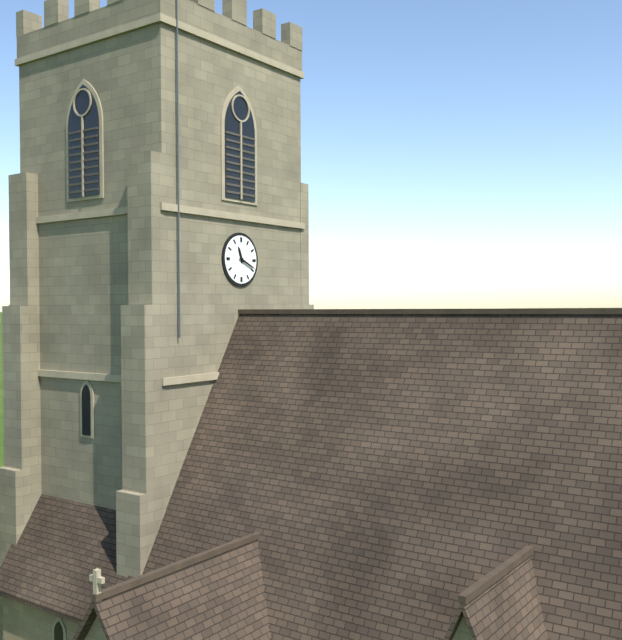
11:19
